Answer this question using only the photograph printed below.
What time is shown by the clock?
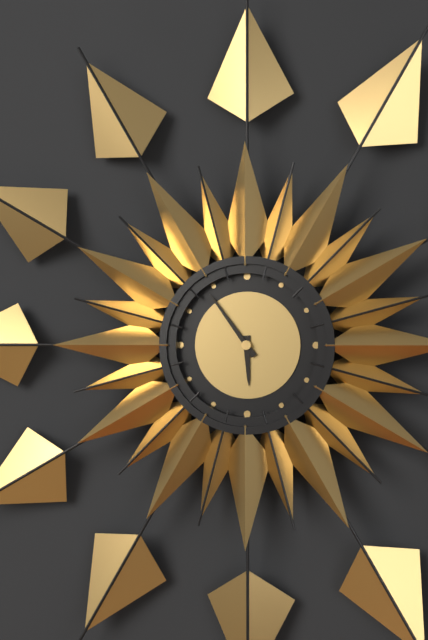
5:54
